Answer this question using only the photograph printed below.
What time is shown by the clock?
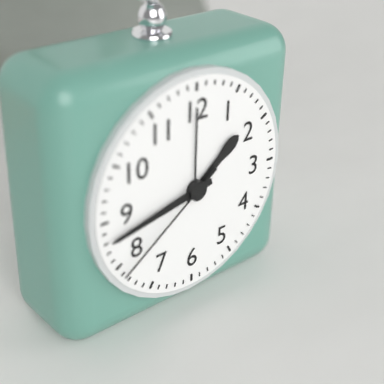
1:43:39
